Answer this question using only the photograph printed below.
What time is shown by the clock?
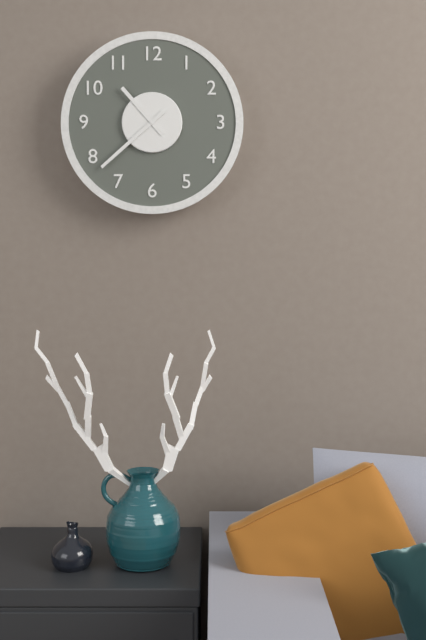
10:38
